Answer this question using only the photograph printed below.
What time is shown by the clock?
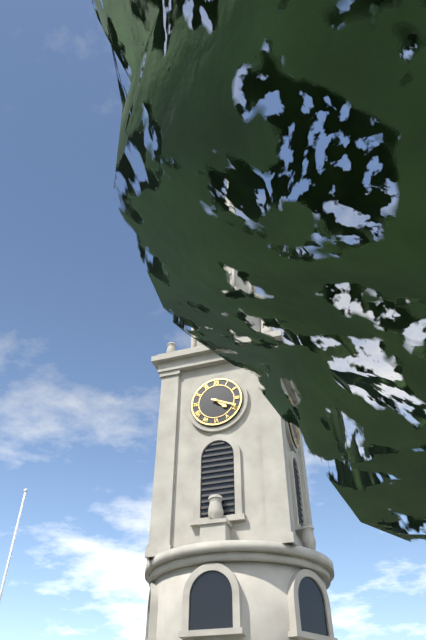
4:19
